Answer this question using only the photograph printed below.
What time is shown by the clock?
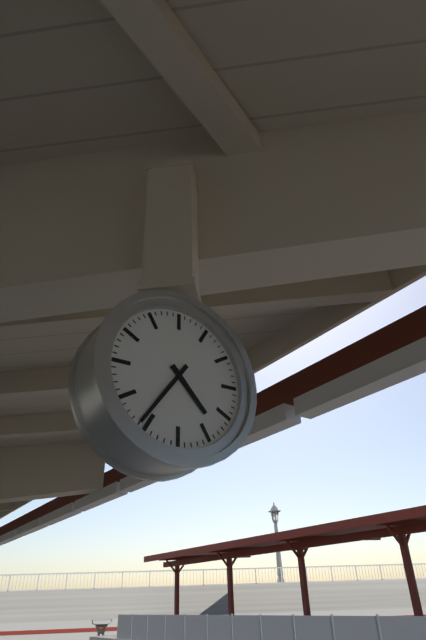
4:36
